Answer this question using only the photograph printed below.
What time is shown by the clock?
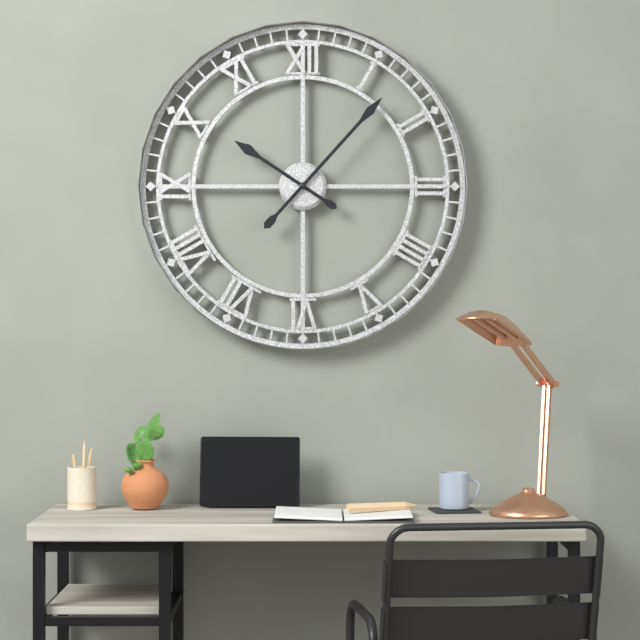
10:07
